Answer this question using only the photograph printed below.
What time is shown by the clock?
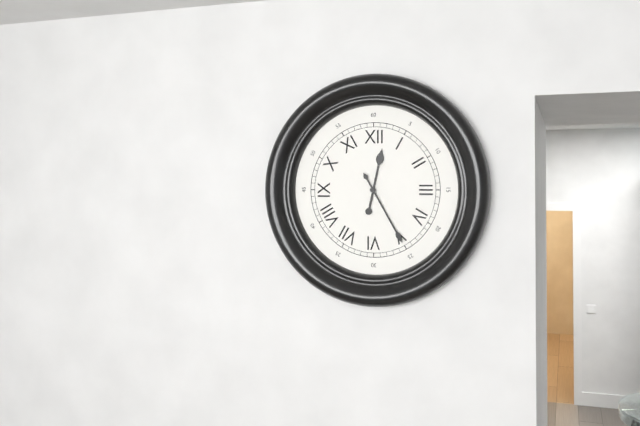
12:25
